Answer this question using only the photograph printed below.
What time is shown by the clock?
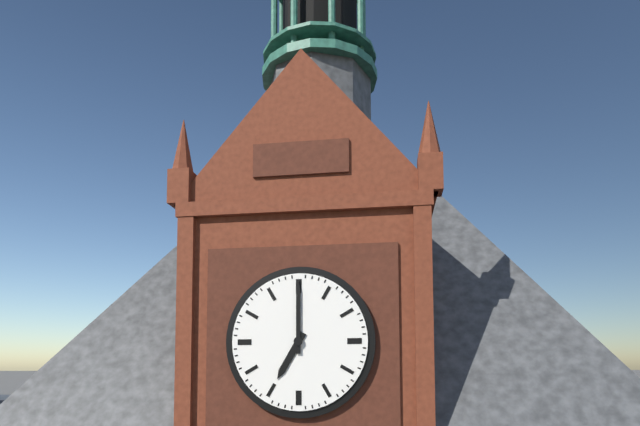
7:00
